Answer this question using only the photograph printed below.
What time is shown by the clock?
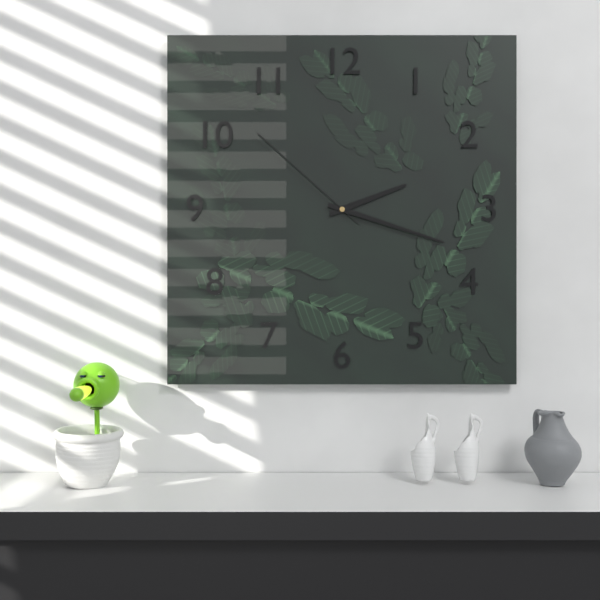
2:18:52
